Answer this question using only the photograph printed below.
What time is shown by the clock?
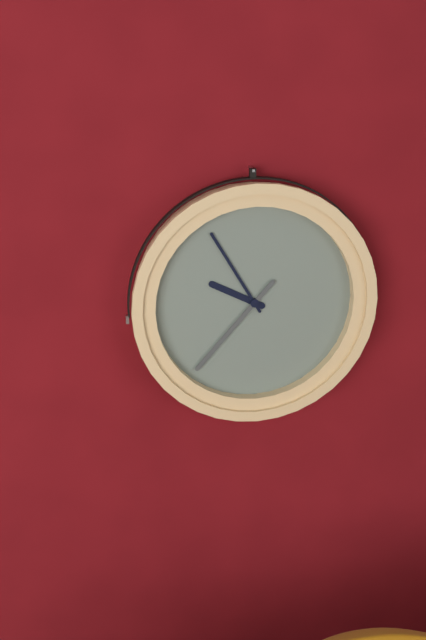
9:55:37
